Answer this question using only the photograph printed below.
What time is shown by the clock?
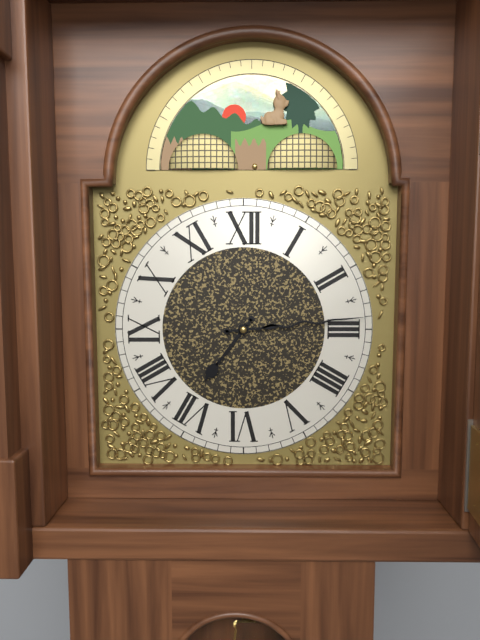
7:14
